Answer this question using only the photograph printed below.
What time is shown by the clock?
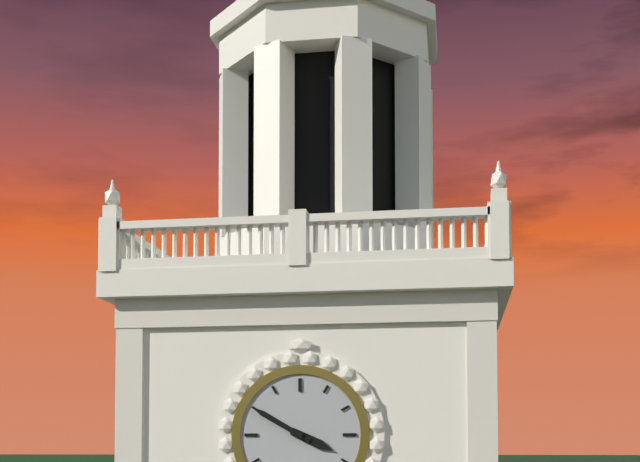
3:50
